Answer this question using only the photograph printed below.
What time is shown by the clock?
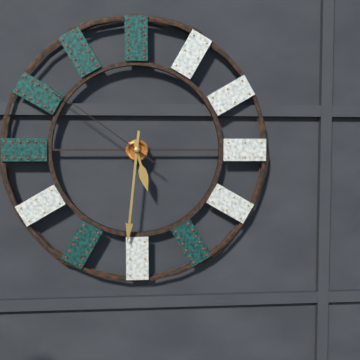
5:31:51
